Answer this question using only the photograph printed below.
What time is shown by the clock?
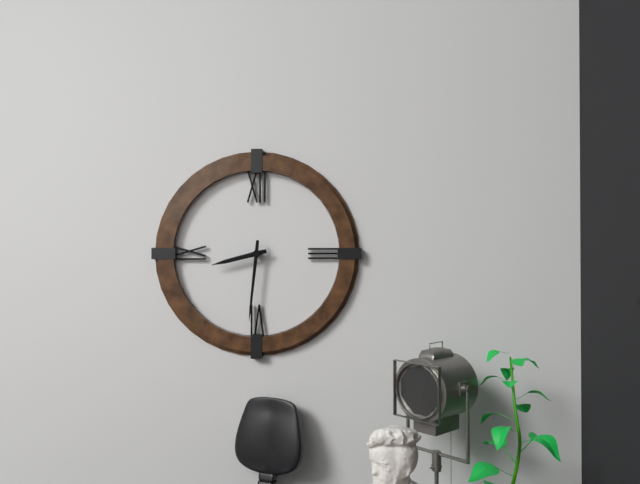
8:31
